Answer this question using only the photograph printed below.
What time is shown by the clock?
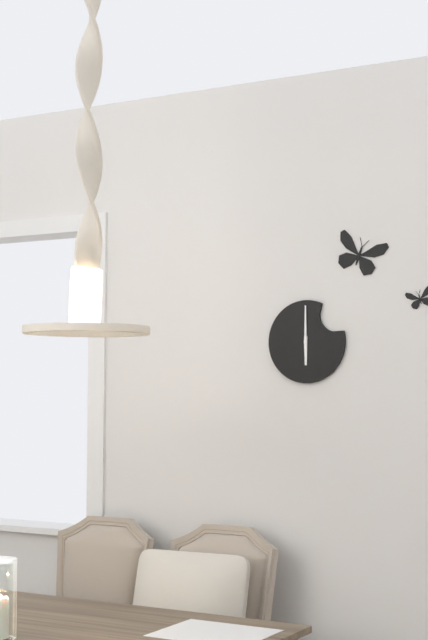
6:00
